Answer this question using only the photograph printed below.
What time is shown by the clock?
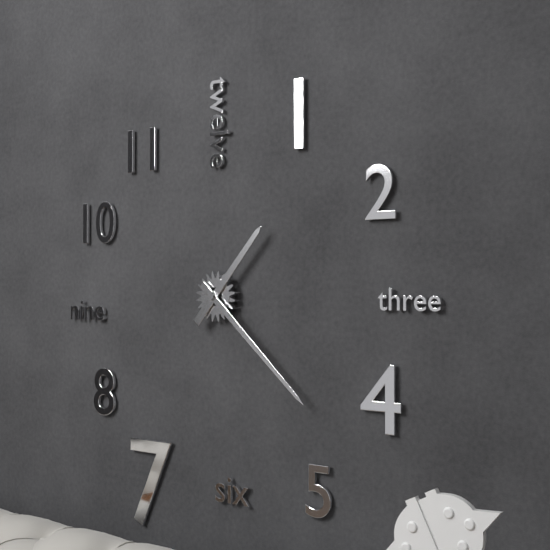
1:22
